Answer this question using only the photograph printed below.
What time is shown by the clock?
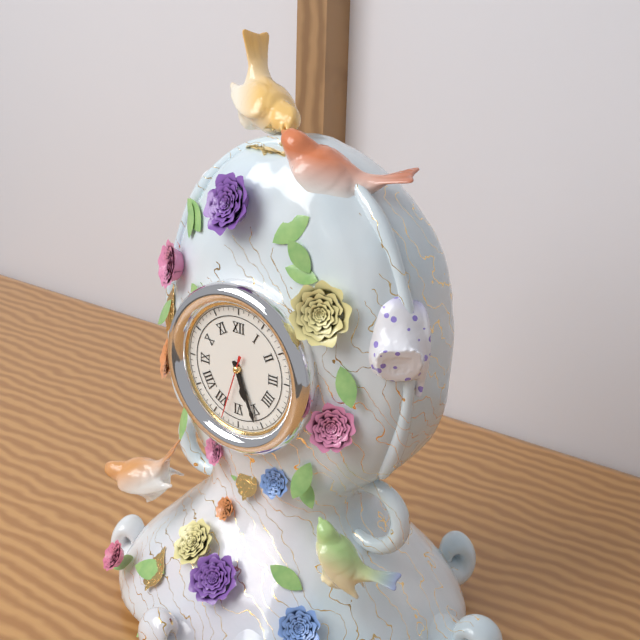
5:26:33
